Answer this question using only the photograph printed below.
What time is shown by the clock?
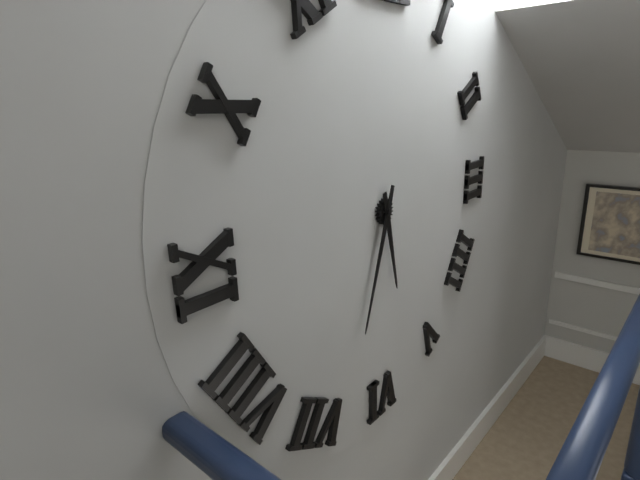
5:33
